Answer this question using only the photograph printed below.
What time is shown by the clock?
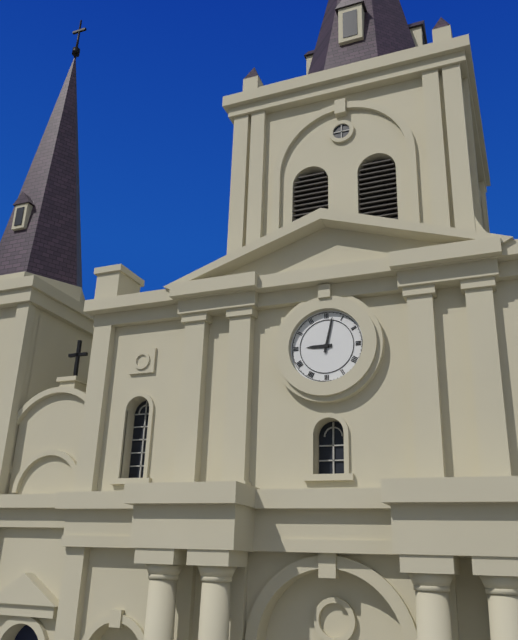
9:02
